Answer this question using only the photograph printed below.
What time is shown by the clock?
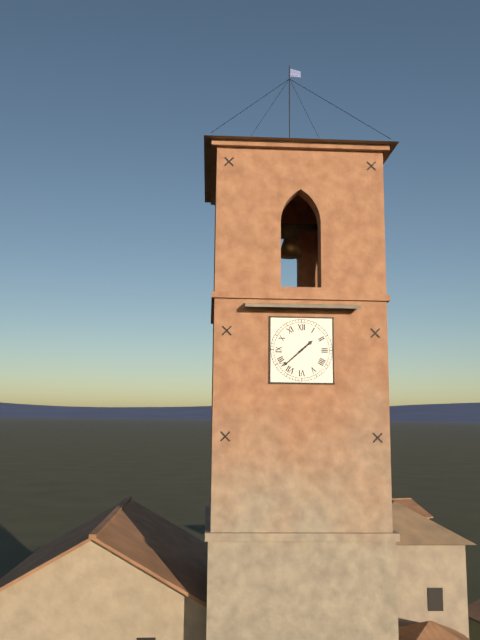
1:38
